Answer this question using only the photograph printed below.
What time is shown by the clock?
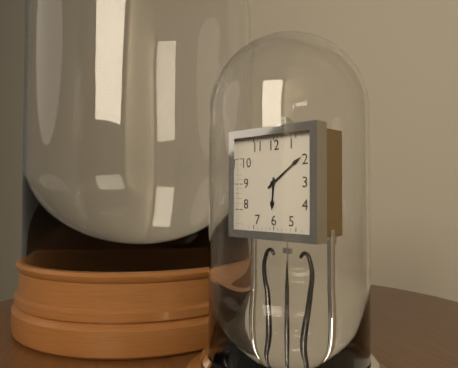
6:09
